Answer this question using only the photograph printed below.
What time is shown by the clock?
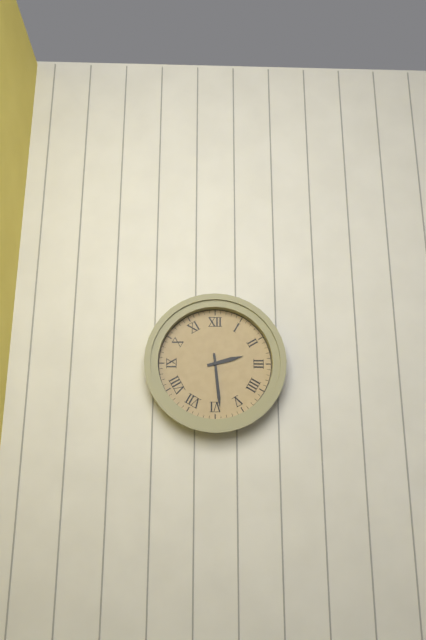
2:29
